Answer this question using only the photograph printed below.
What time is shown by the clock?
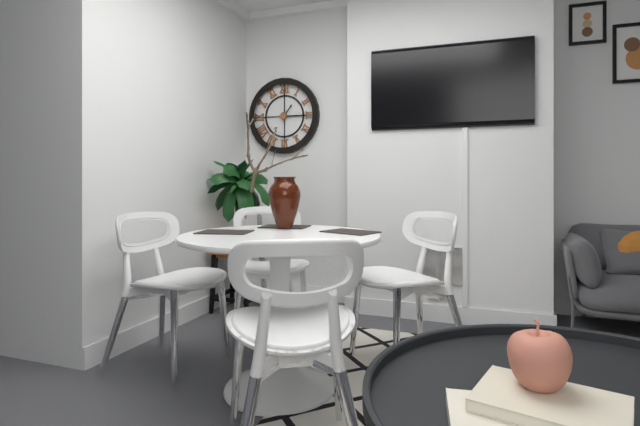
1:15
